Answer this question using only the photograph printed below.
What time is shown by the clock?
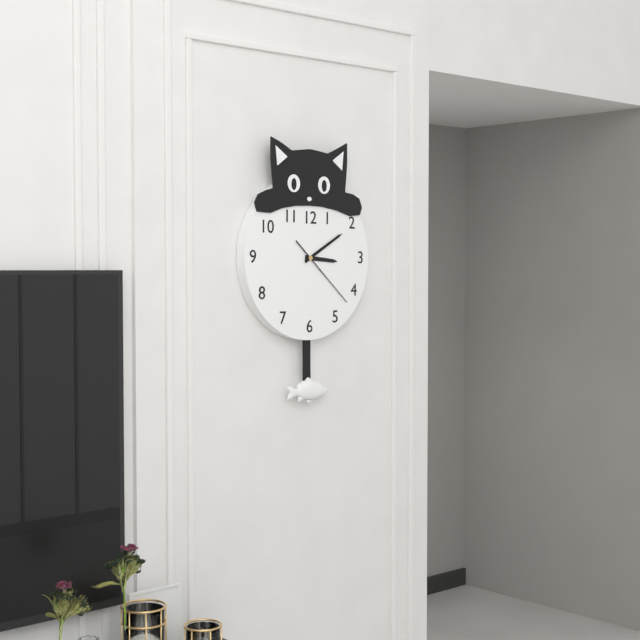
3:10:22
